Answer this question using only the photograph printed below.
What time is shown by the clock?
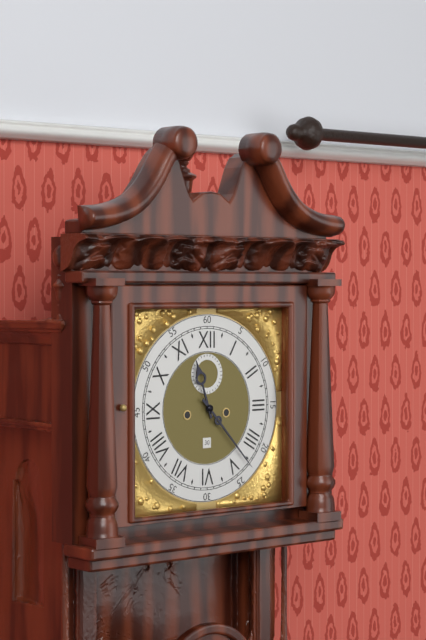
11:23
